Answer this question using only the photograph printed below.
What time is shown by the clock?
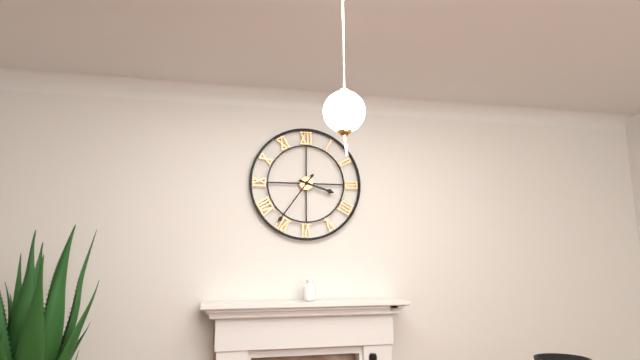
3:36
